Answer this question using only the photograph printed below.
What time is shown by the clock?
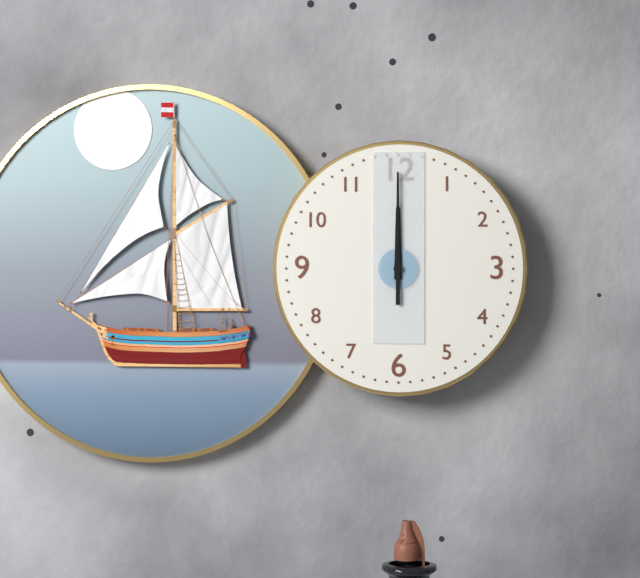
12:00
